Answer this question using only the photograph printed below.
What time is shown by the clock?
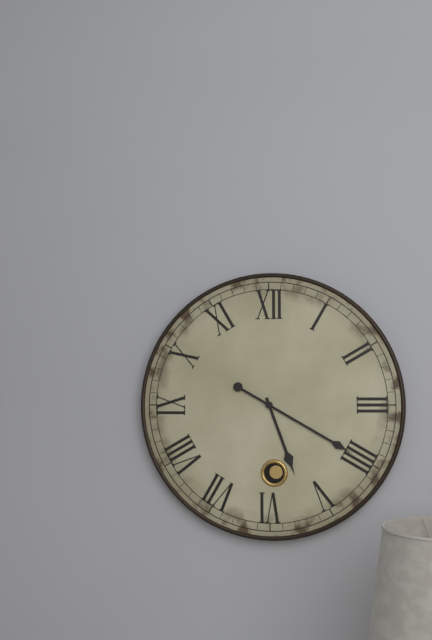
5:20
